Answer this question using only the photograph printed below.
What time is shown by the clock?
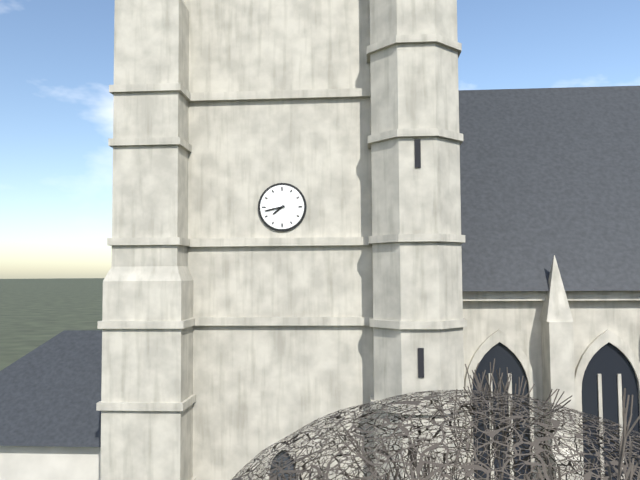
7:43
